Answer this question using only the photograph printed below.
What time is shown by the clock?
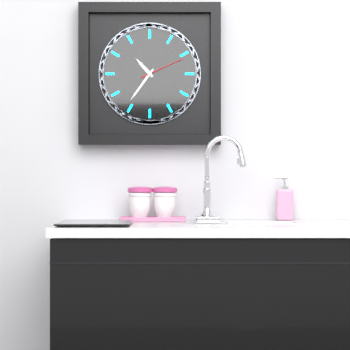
10:36
